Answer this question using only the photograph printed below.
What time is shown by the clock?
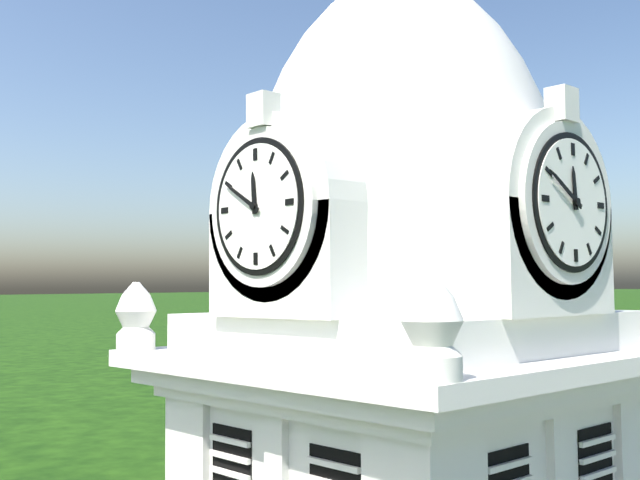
11:50
